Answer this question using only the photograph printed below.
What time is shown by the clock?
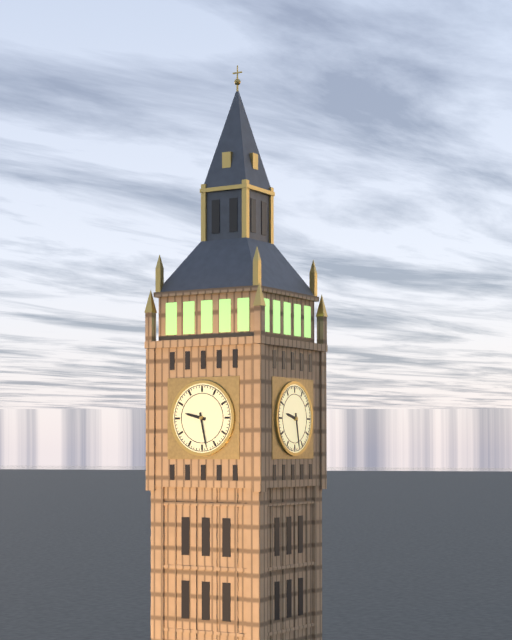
9:28
